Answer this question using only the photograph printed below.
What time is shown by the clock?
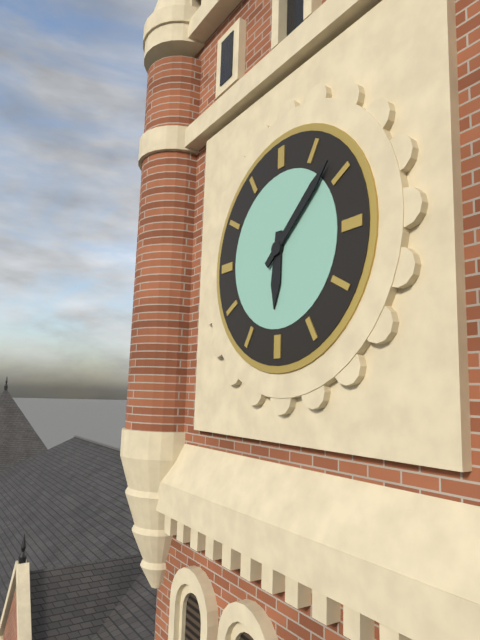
6:08
